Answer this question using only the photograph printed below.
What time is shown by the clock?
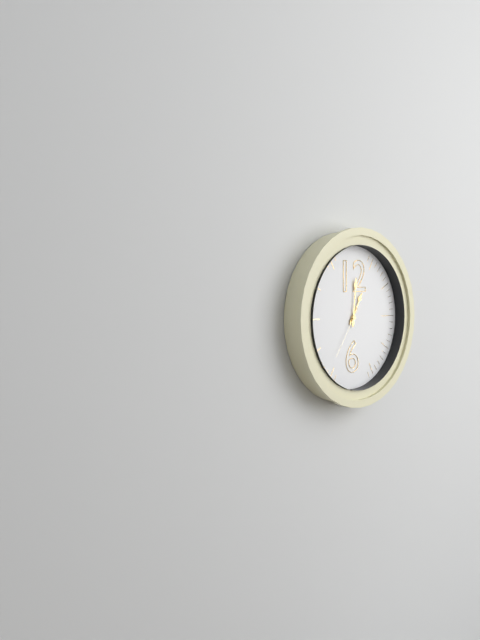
1:01:36
